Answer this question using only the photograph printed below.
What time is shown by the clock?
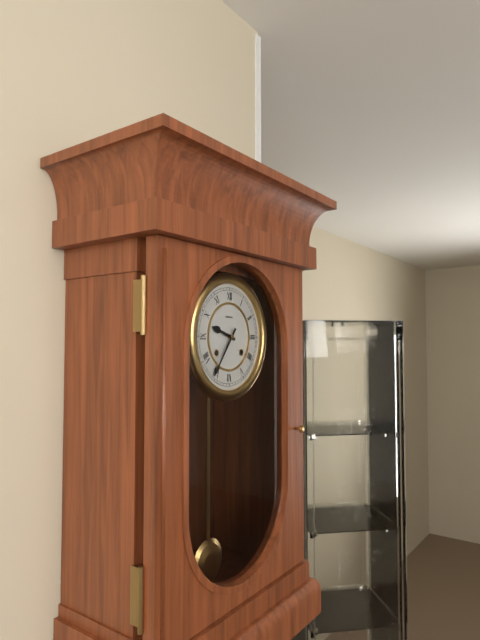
9:36
